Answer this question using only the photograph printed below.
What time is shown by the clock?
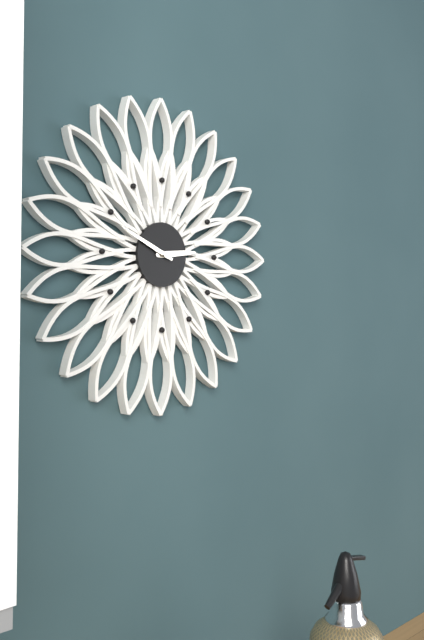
2:49
